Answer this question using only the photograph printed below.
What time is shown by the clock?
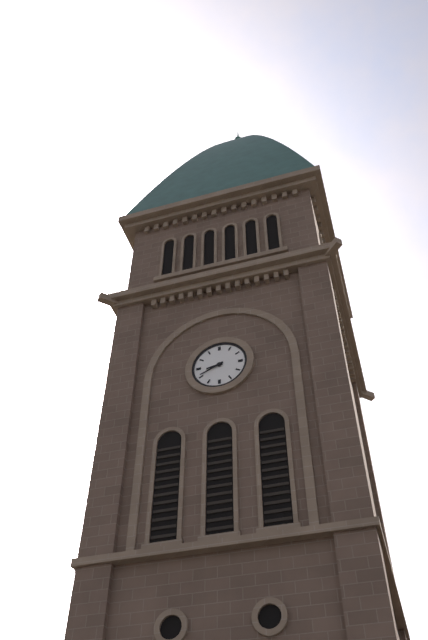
8:41
